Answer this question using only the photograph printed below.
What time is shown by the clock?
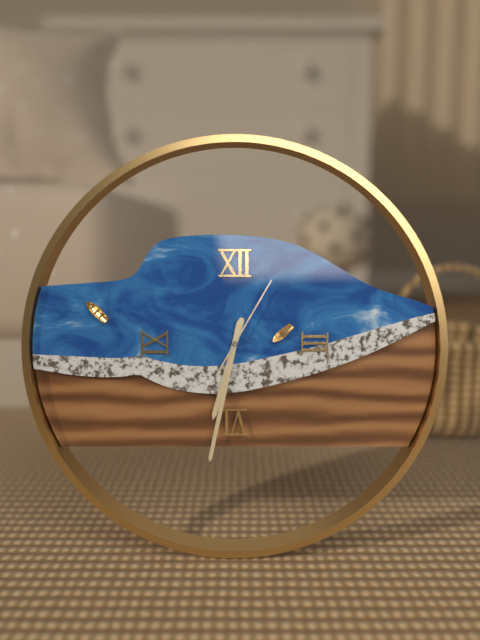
6:32:05
